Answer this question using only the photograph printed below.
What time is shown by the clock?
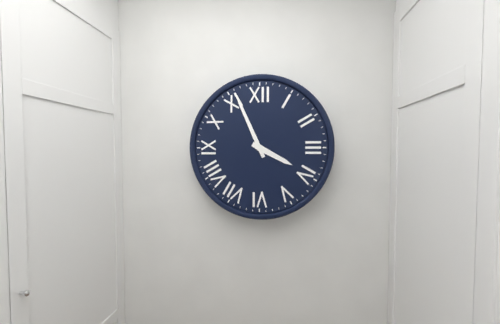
3:56
